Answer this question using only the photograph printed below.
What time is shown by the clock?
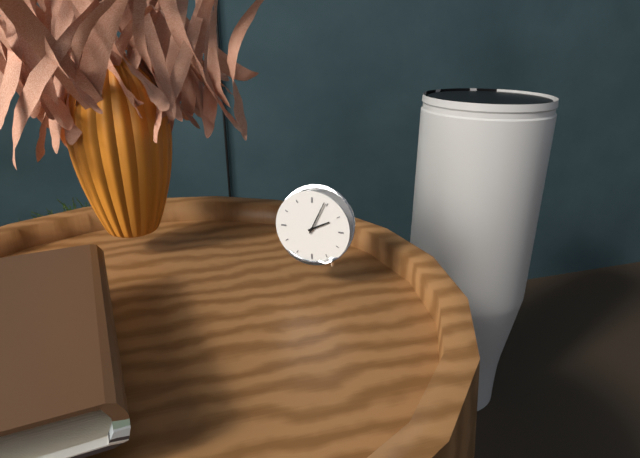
2:04
